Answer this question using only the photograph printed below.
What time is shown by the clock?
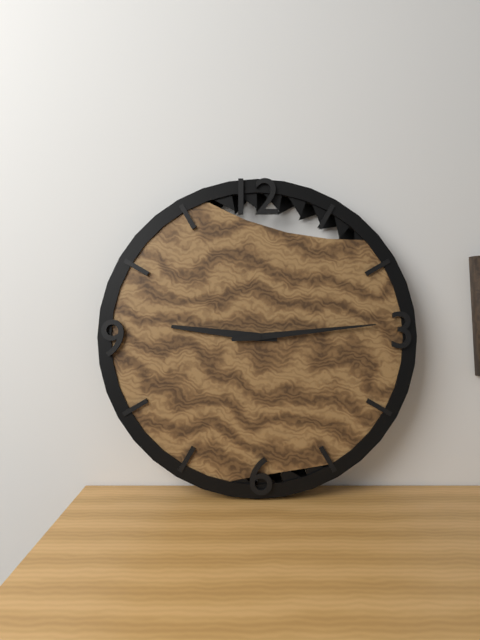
9:14
